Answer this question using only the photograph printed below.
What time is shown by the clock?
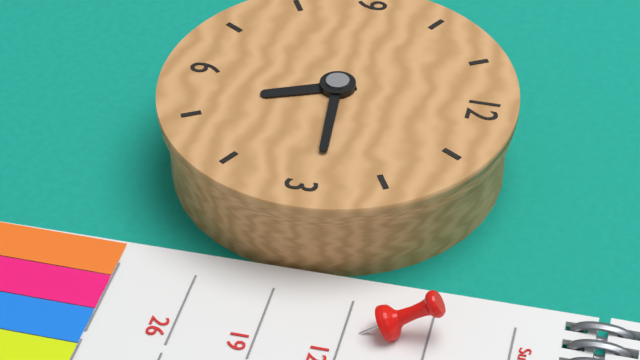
5:14
